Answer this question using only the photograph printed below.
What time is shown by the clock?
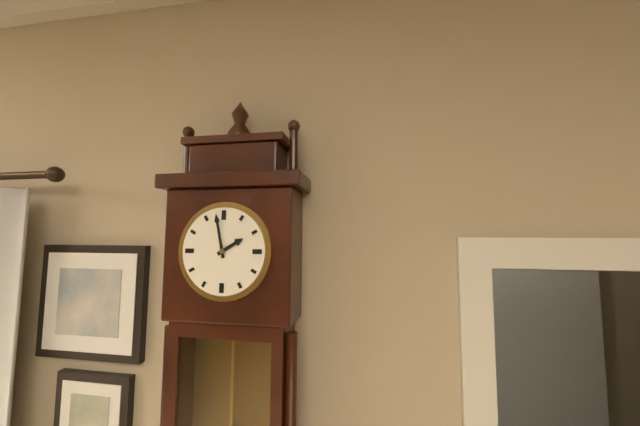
1:58
